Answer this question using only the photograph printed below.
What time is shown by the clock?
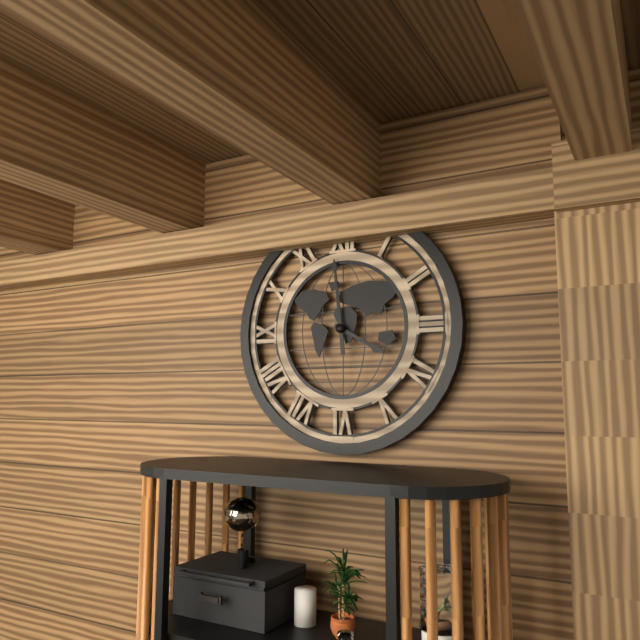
3:59
